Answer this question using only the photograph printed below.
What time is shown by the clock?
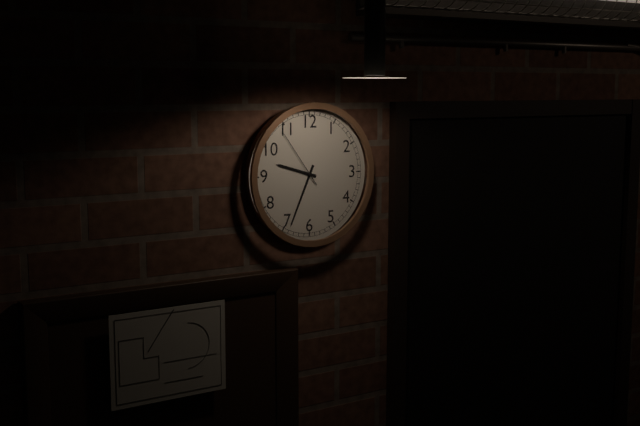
9:34:54
